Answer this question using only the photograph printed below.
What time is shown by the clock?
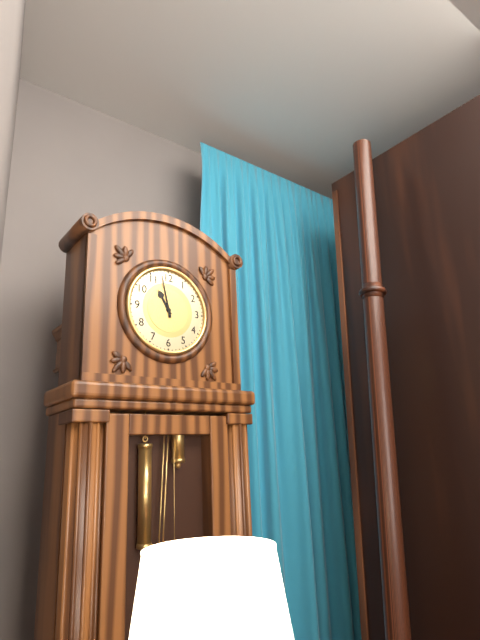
10:58
